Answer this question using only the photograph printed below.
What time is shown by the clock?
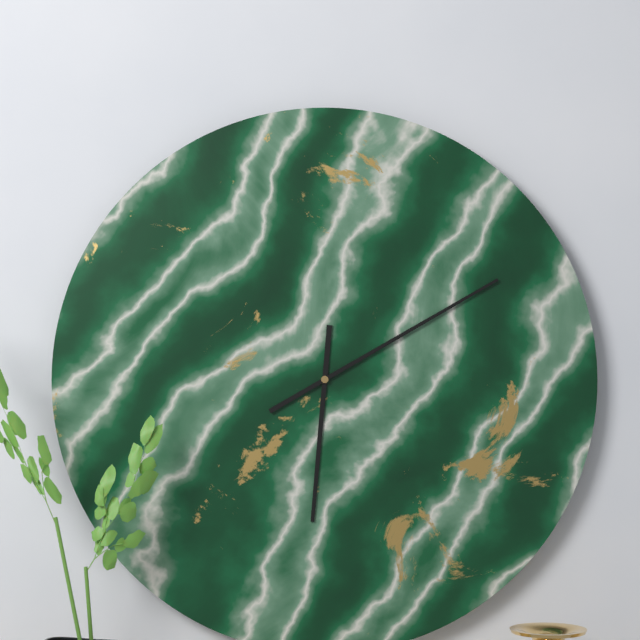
6:10
